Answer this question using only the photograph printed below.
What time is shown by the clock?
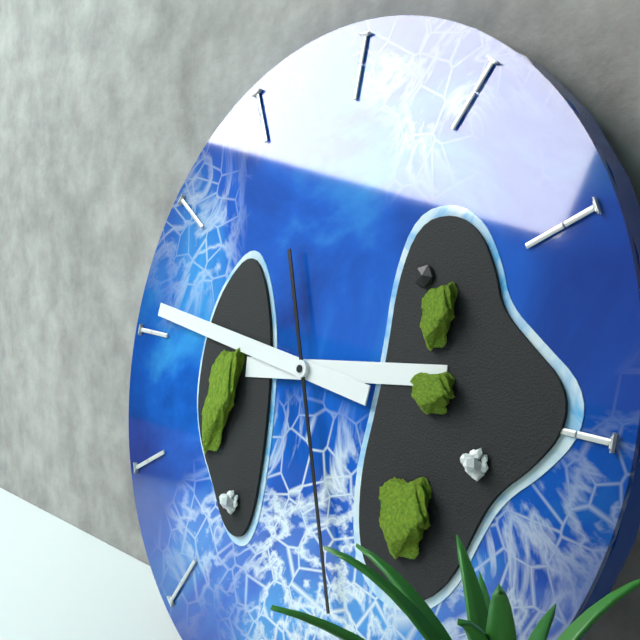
2:46:26
